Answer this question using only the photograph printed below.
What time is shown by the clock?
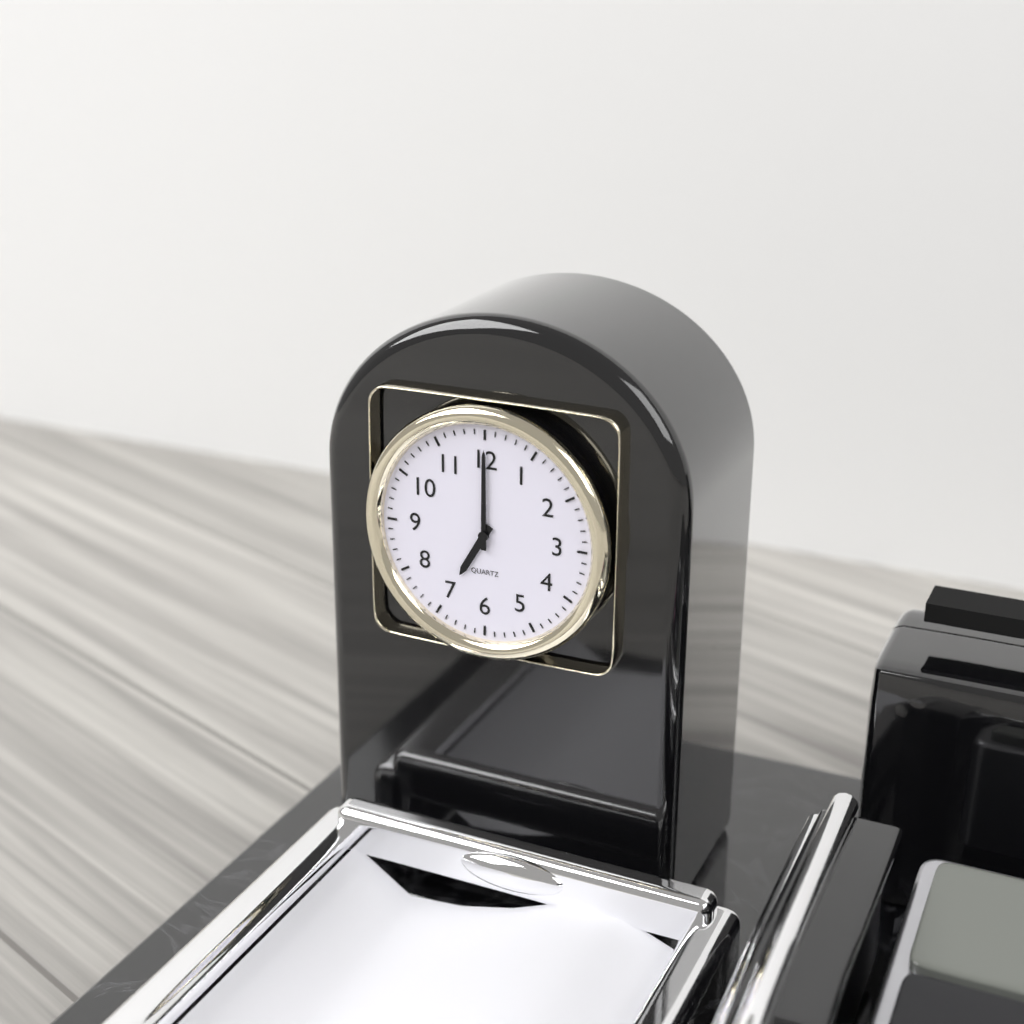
7:00
